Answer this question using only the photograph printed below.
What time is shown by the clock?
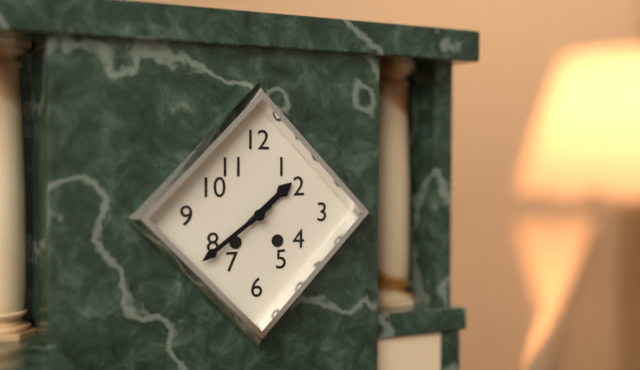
1:39
